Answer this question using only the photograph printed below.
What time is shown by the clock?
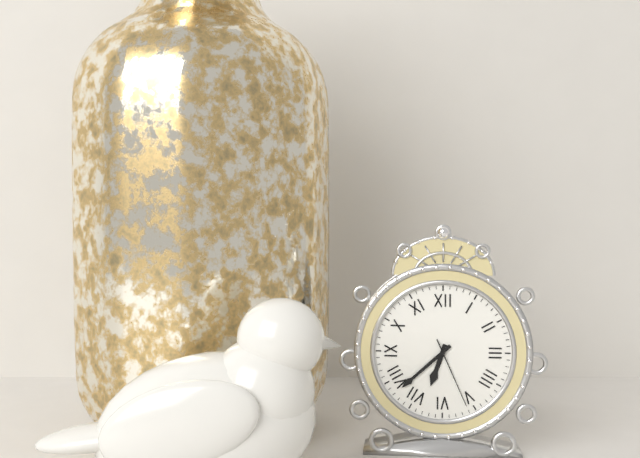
6:38:26
